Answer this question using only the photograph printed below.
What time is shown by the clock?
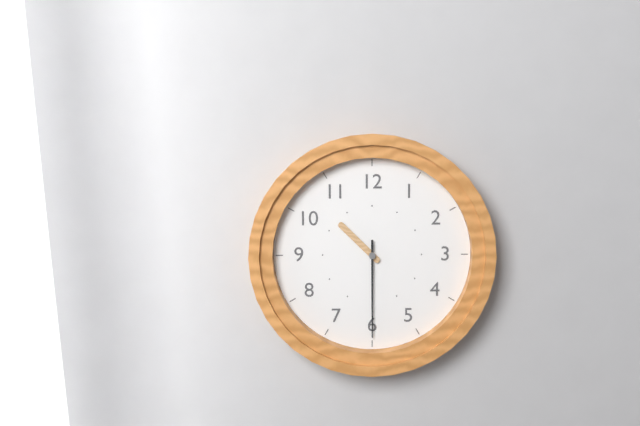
10:30
